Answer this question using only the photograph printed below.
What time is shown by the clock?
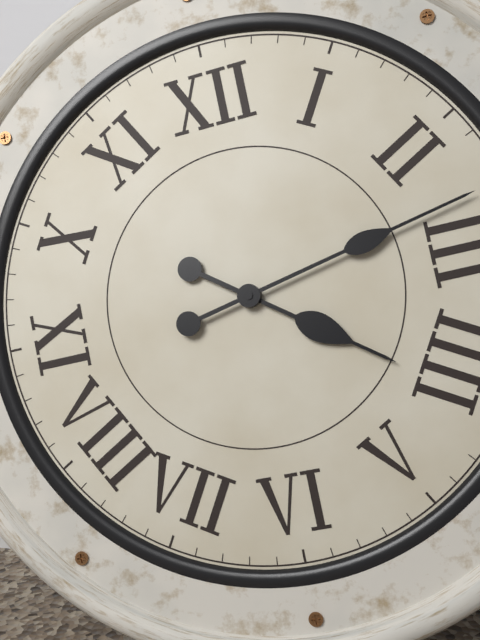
4:13
